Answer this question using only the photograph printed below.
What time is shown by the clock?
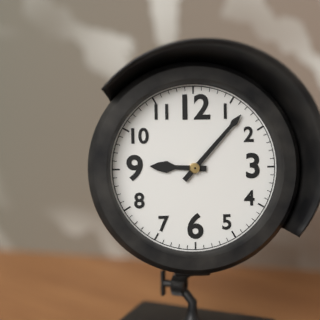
9:07
